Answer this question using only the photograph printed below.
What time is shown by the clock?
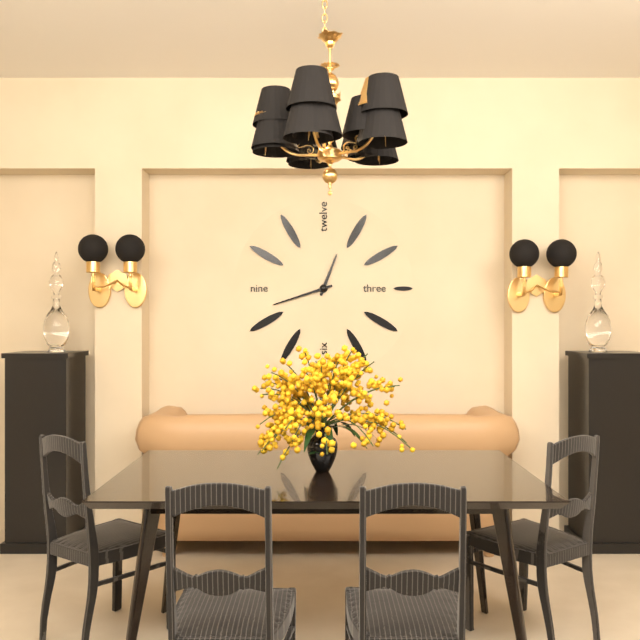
12:42
